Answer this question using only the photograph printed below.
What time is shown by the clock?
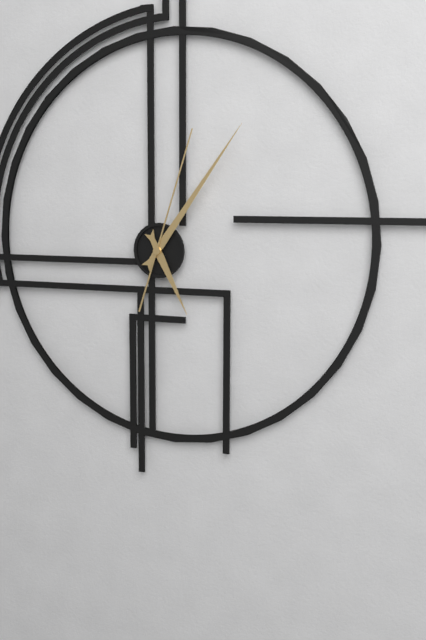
5:06:03
